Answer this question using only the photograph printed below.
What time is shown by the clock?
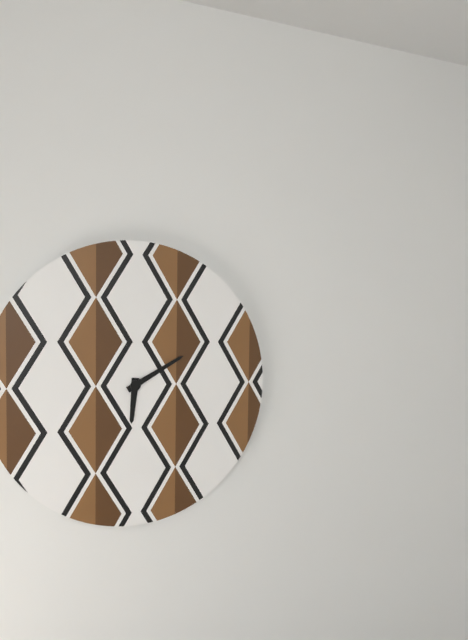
6:10
